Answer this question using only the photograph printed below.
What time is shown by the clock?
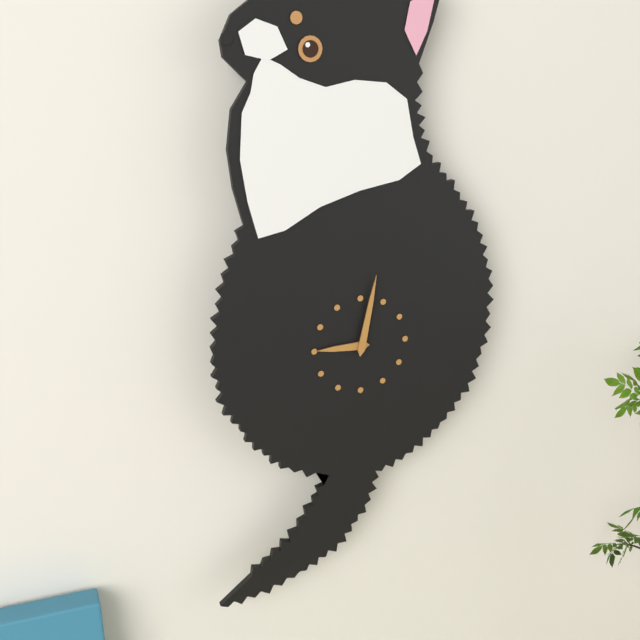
9:02
